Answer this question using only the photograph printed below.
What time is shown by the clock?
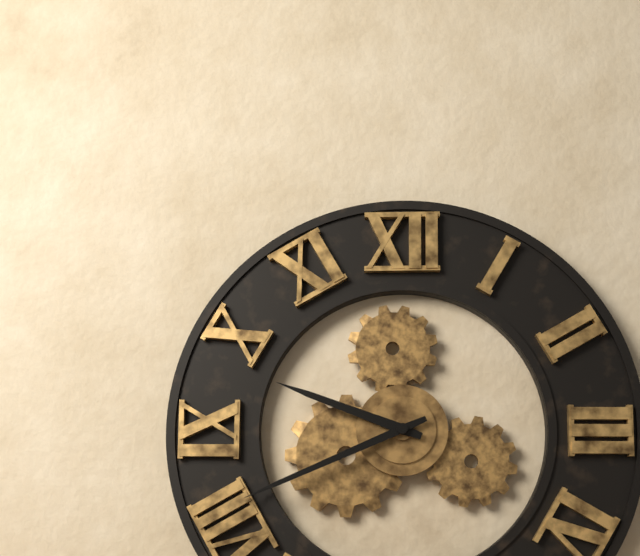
9:41
